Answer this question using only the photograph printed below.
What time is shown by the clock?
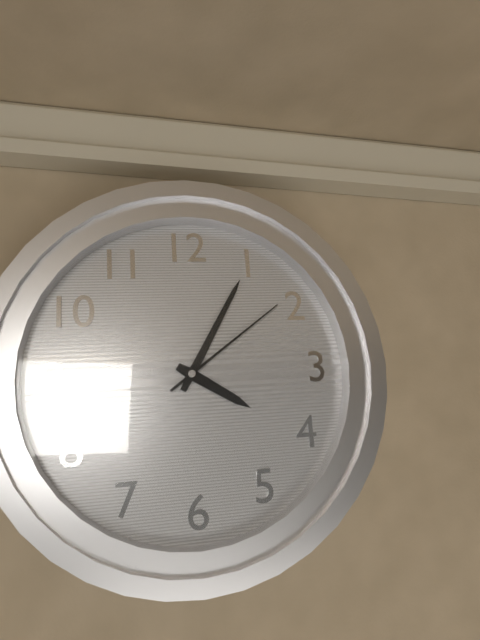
4:05:09
